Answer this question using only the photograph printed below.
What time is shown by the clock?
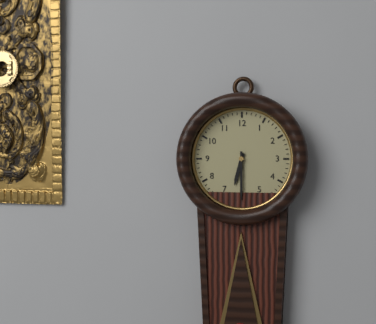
6:30
